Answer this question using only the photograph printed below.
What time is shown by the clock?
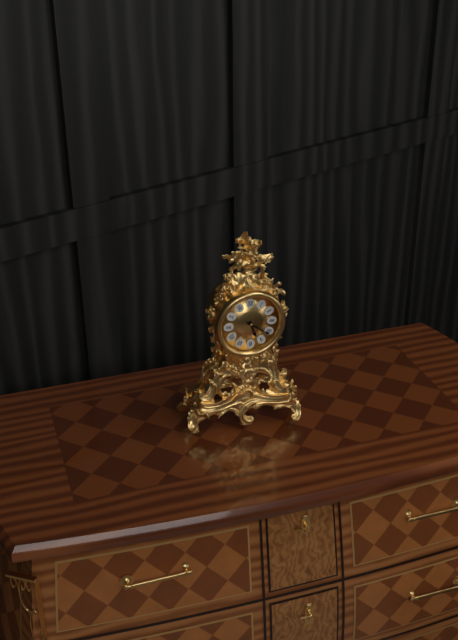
5:21
